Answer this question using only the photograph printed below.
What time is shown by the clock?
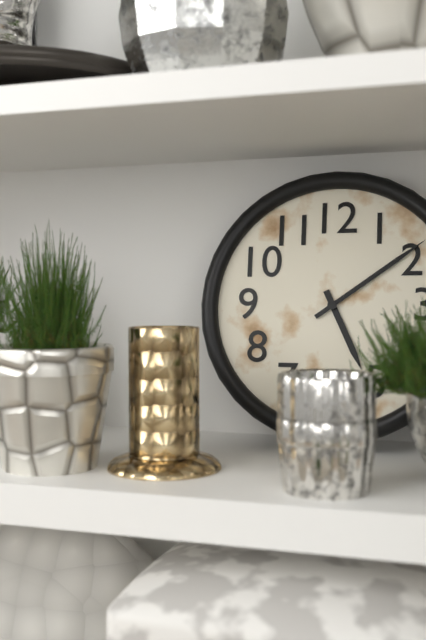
5:09
